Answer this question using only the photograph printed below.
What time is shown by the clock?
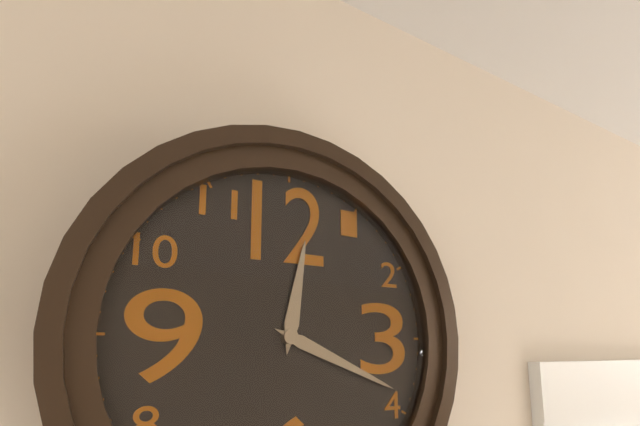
12:19
